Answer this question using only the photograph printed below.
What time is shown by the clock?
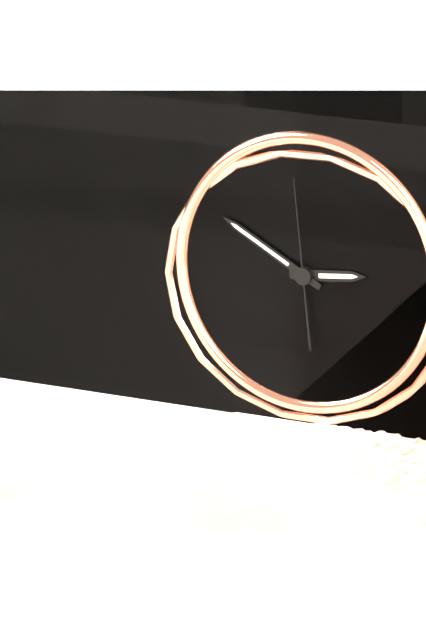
2:50:59
